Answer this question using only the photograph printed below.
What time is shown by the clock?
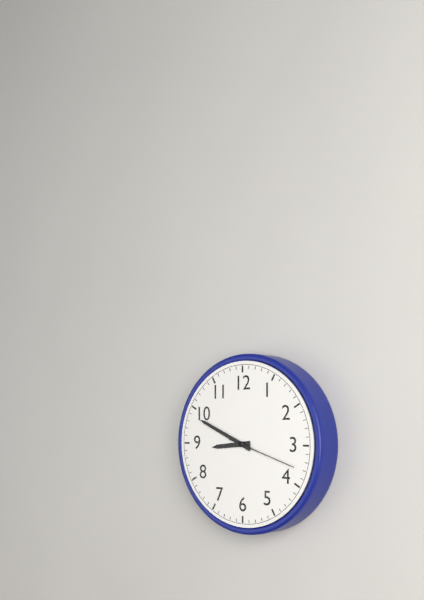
8:49:18
